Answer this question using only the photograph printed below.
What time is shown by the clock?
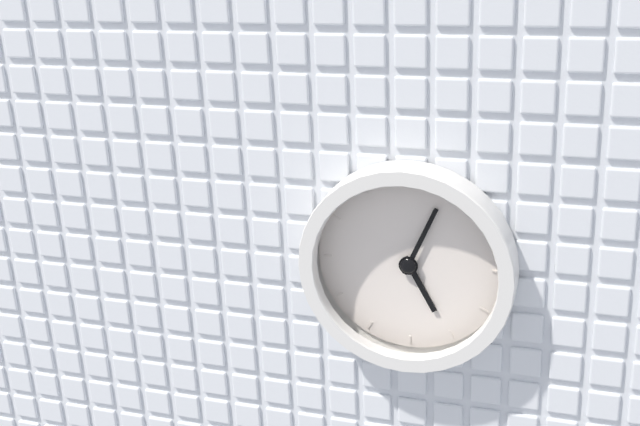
5:04
